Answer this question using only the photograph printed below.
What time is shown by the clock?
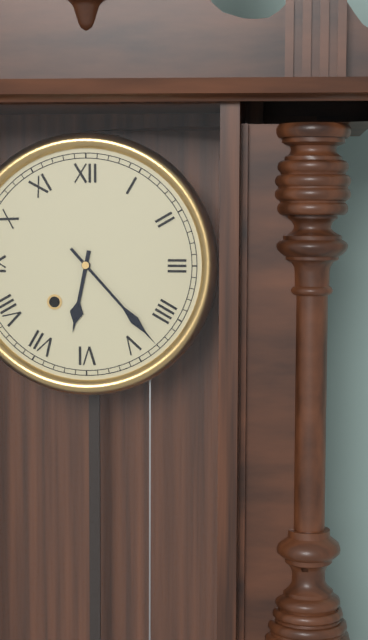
6:23
